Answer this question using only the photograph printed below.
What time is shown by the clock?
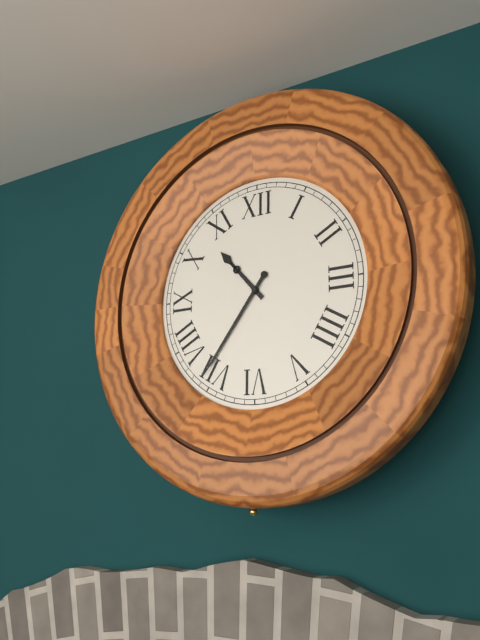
10:36
